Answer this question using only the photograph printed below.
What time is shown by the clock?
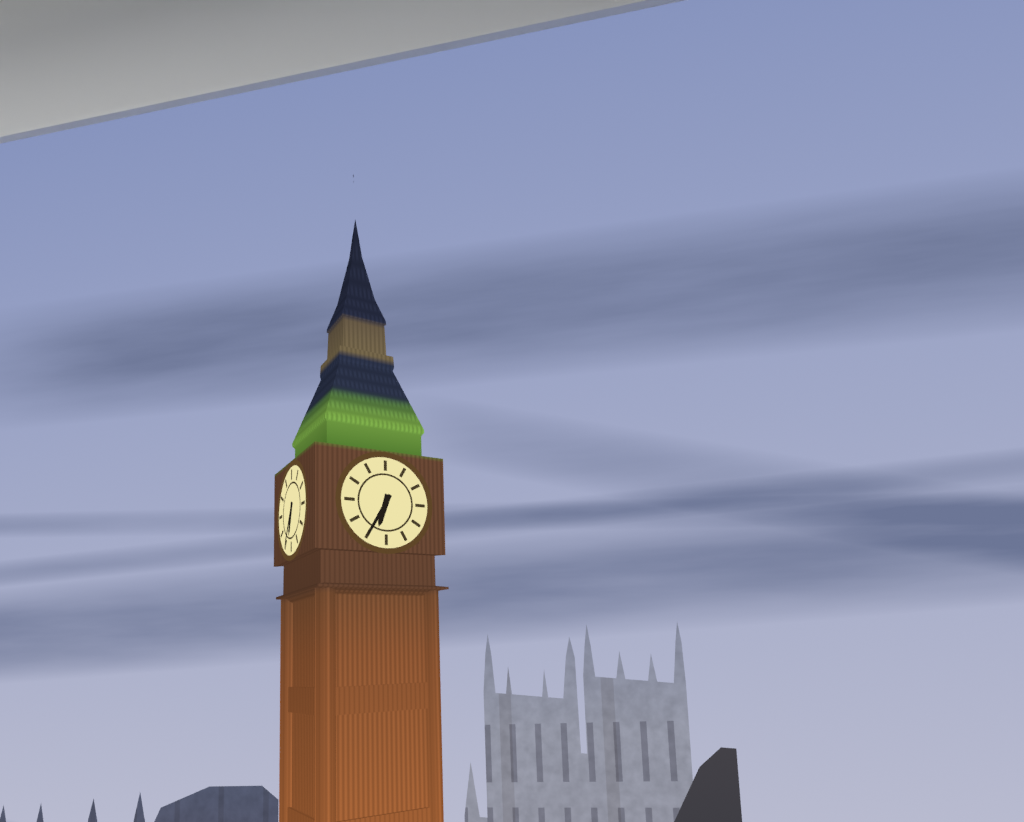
6:35
